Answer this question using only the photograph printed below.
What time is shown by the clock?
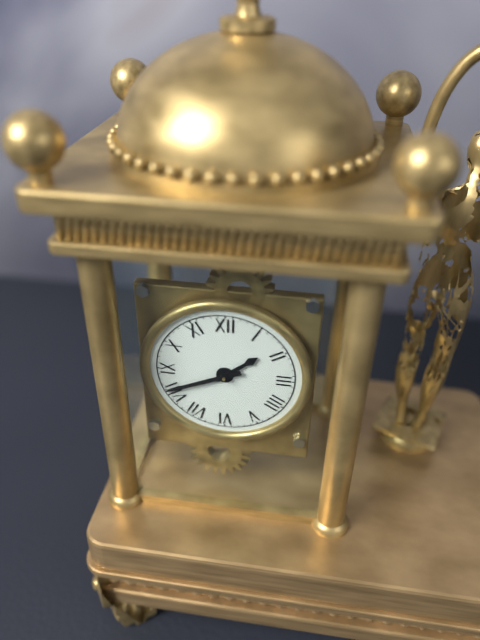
1:41
